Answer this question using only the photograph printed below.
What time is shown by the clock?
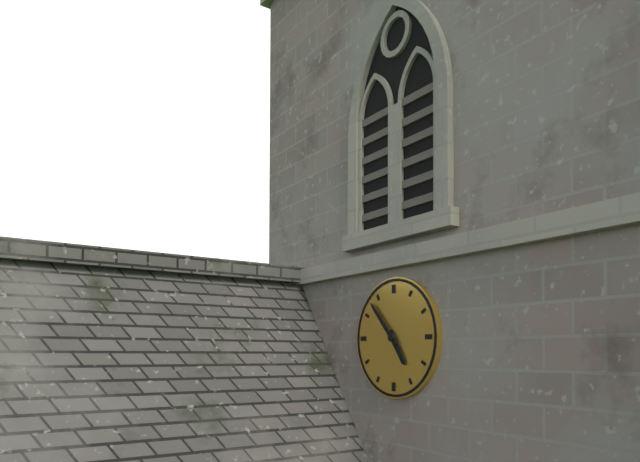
4:53
